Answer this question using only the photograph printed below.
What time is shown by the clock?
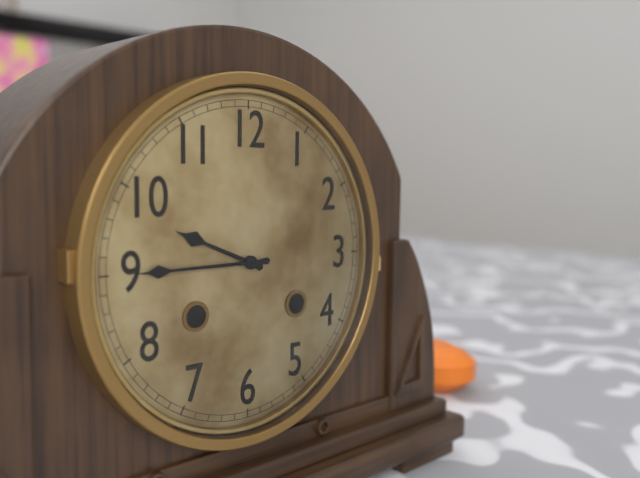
9:45
